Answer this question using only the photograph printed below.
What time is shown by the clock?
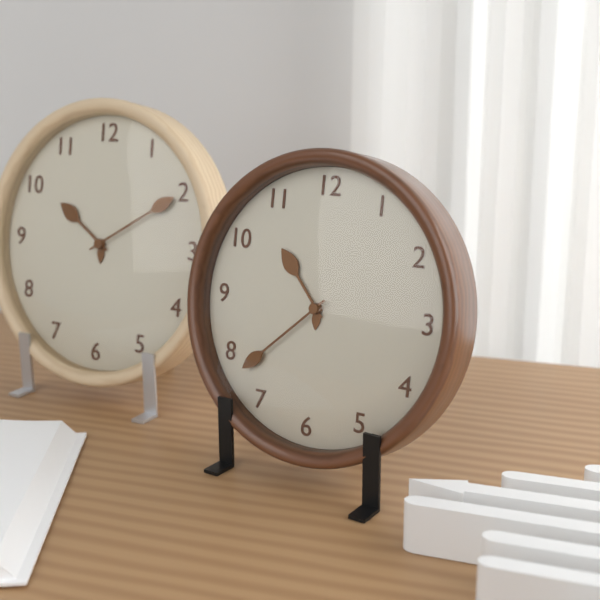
10:38
